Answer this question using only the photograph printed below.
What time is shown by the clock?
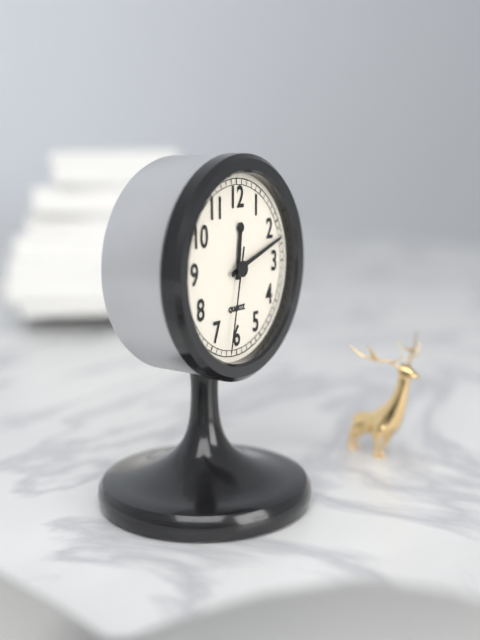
12:12:32
